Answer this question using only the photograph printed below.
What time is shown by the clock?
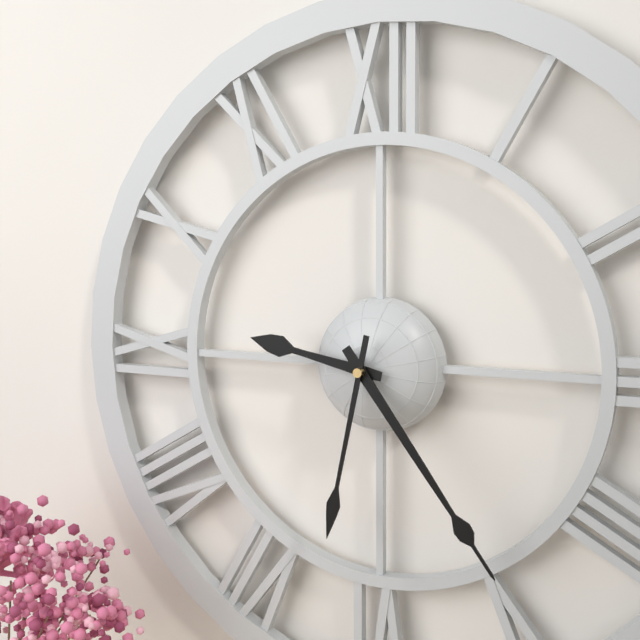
9:24:32
